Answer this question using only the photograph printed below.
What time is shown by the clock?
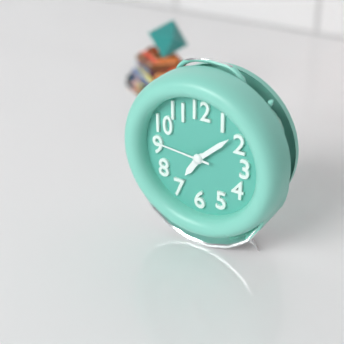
7:08:46
